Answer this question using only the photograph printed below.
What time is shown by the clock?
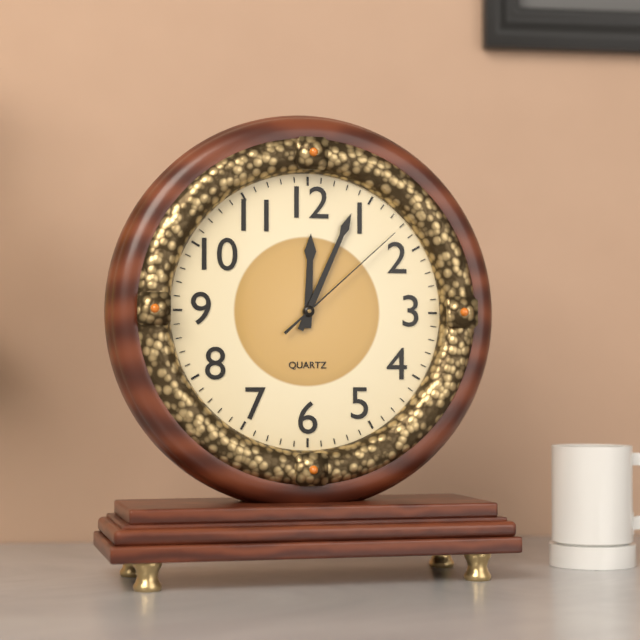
12:04:08
